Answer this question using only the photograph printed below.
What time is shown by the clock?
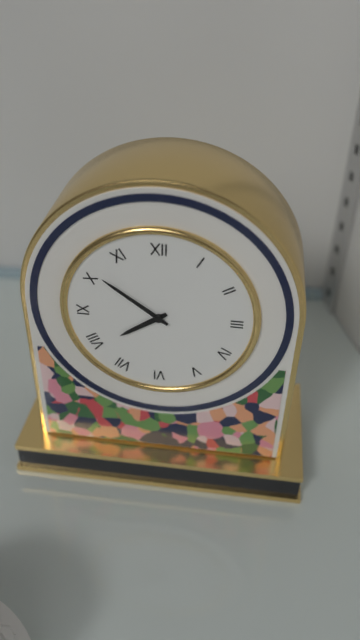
7:51
